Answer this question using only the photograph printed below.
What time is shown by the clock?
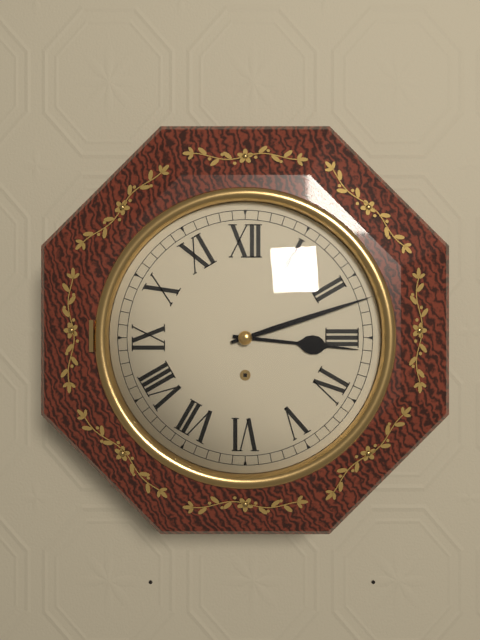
3:12
